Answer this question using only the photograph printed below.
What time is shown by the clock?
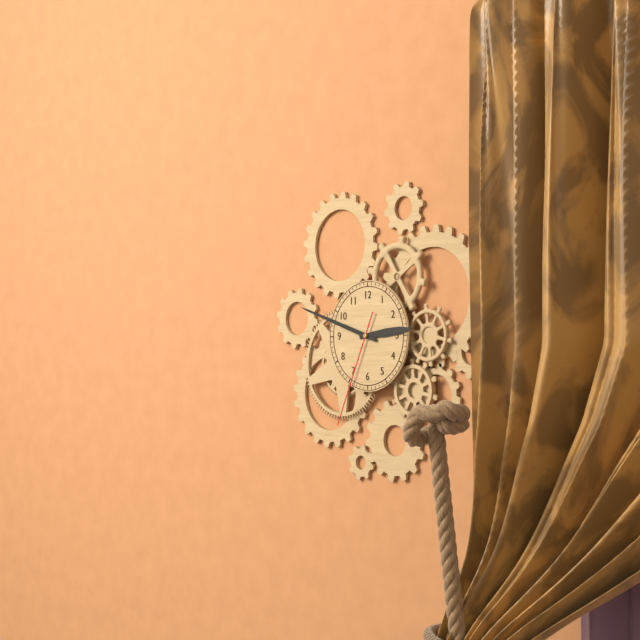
2:48:34
